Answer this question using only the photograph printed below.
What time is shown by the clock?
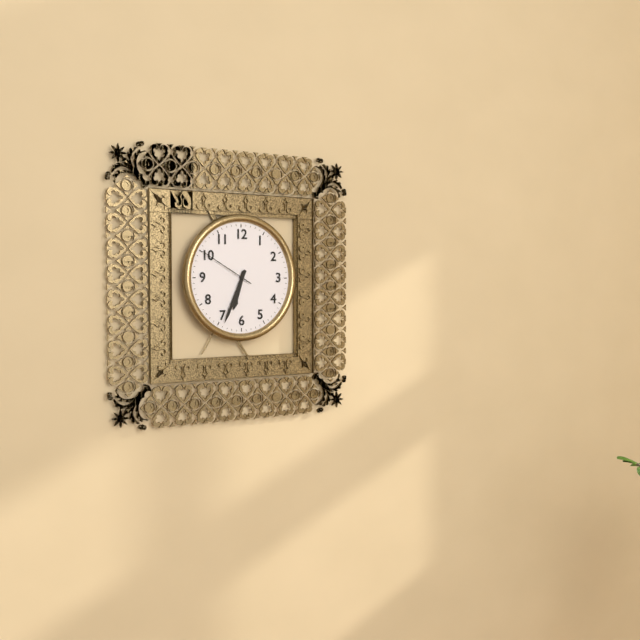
6:34:50
